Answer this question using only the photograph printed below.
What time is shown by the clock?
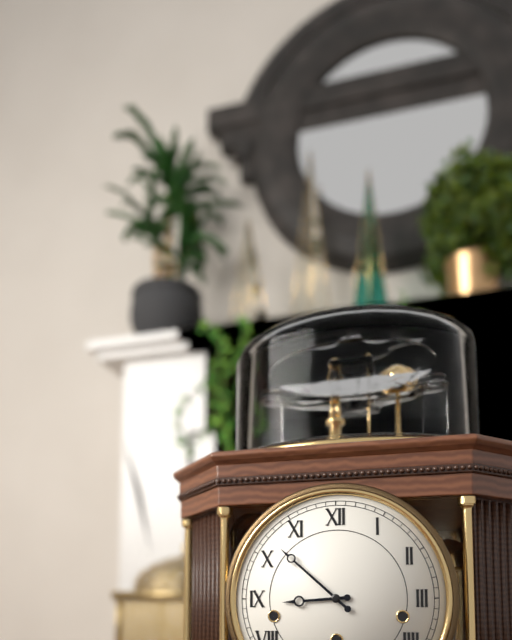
8:52
